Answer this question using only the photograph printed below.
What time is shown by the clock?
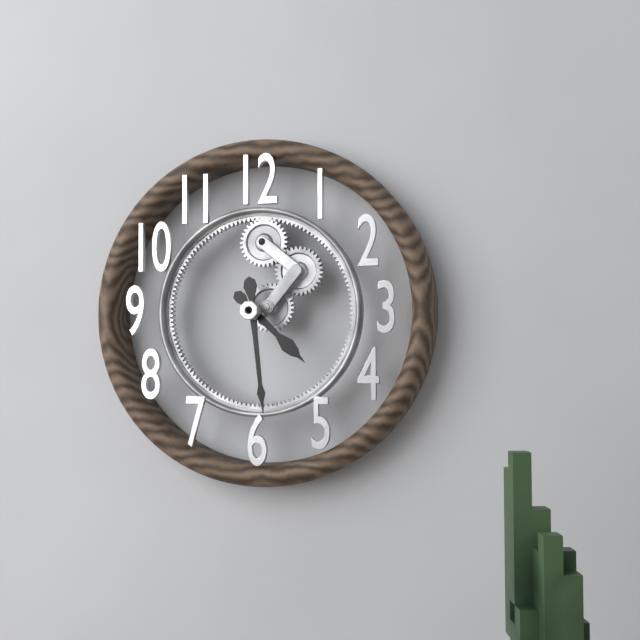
4:29
